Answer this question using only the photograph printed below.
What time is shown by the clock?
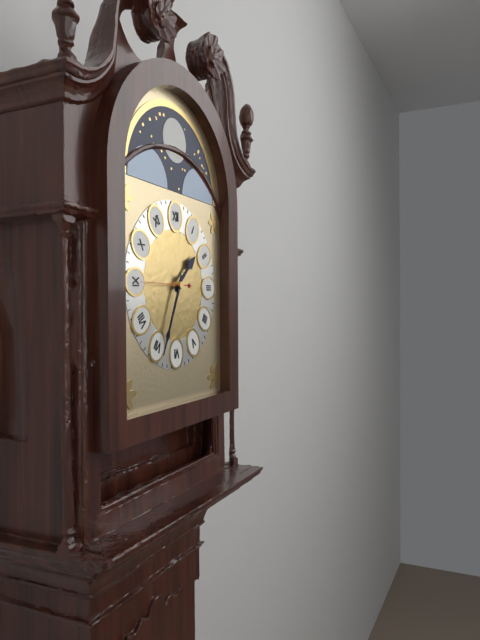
1:34
